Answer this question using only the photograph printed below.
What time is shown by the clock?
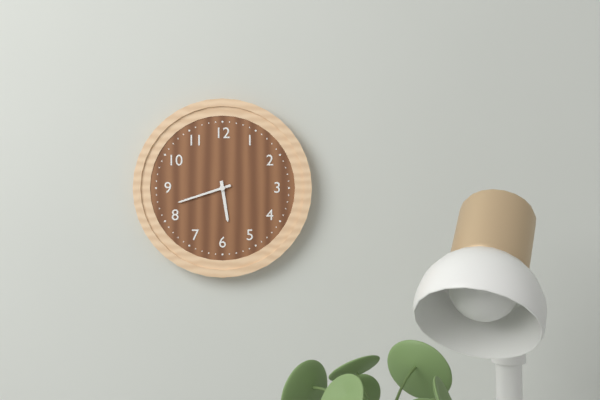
5:42
